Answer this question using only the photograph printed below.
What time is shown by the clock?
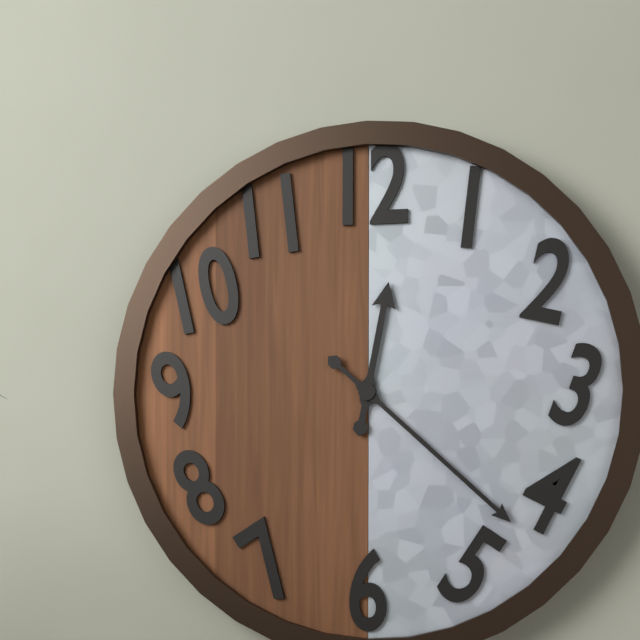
12:22
